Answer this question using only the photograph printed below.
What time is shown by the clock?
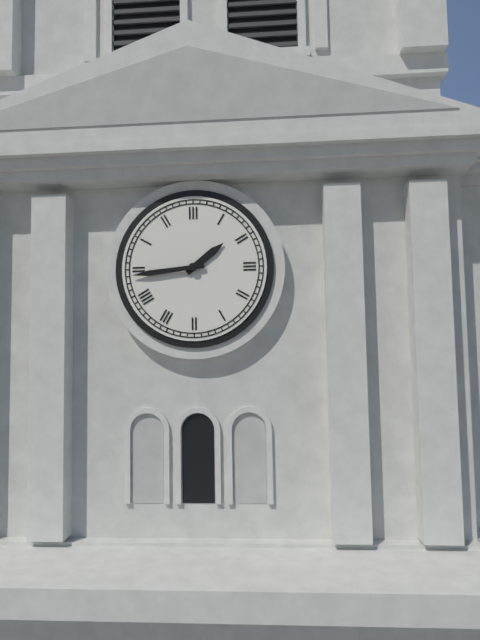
1:44
